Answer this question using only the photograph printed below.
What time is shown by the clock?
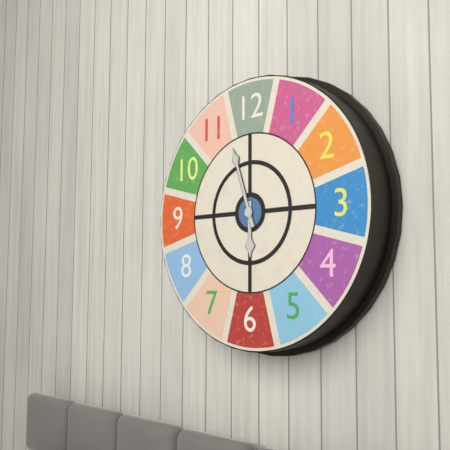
5:57
